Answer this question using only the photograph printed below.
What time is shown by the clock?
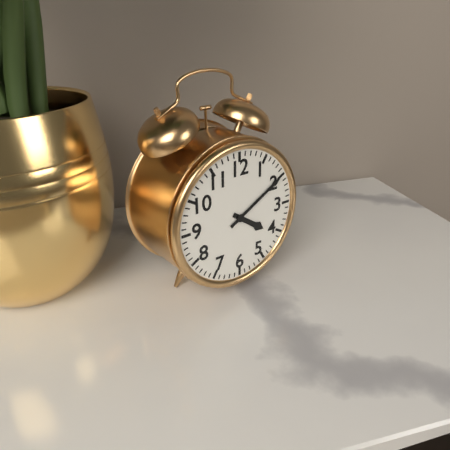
4:10
